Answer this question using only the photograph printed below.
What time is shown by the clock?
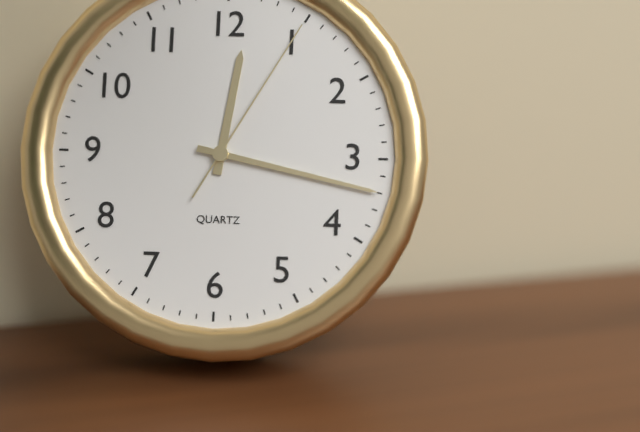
12:17:05
